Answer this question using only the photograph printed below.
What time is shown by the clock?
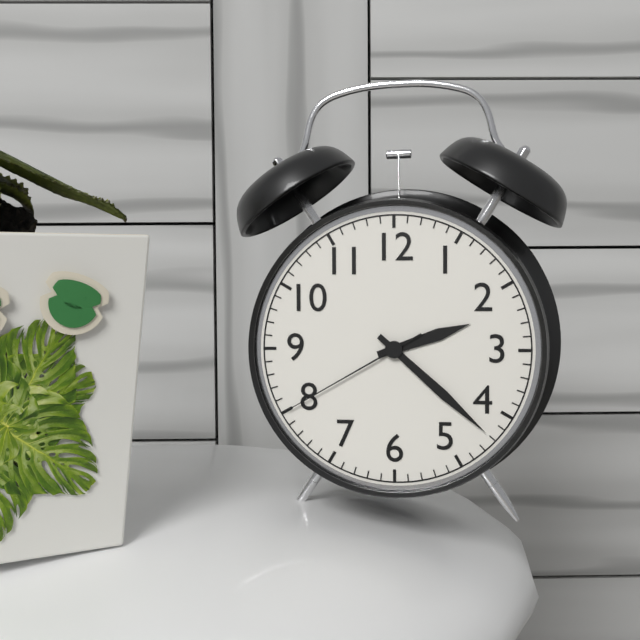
2:22:40
